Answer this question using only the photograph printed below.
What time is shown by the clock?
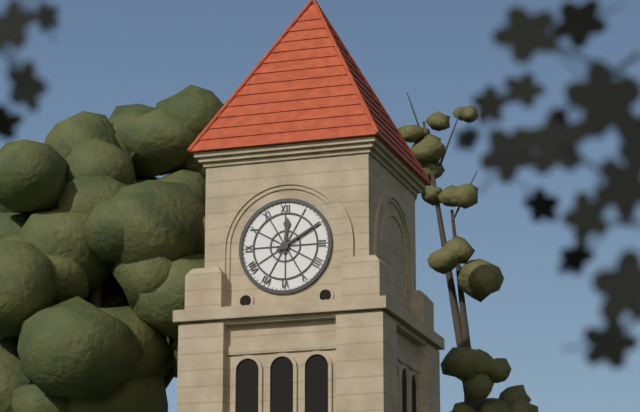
12:10
